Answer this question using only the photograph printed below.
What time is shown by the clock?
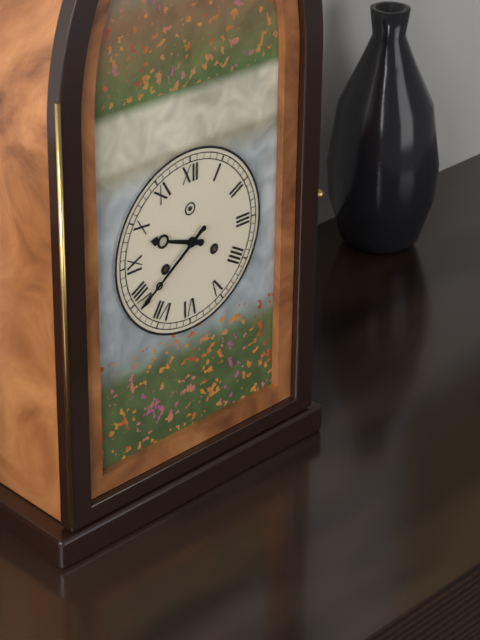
9:39
